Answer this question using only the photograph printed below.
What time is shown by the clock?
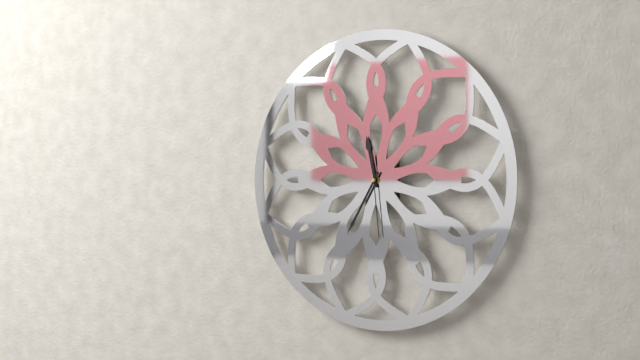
11:35:29
